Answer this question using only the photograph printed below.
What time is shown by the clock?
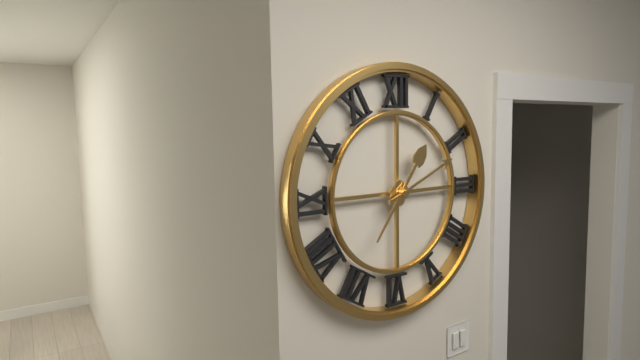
1:11
